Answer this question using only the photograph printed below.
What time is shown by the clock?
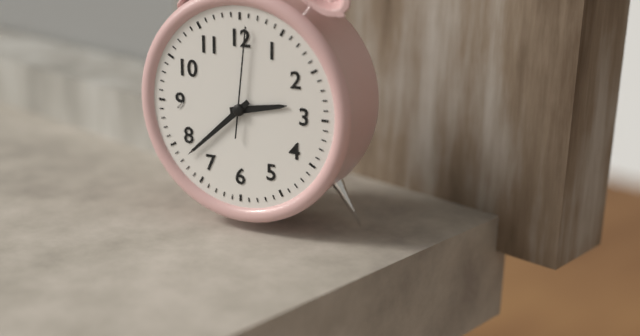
2:38:01
